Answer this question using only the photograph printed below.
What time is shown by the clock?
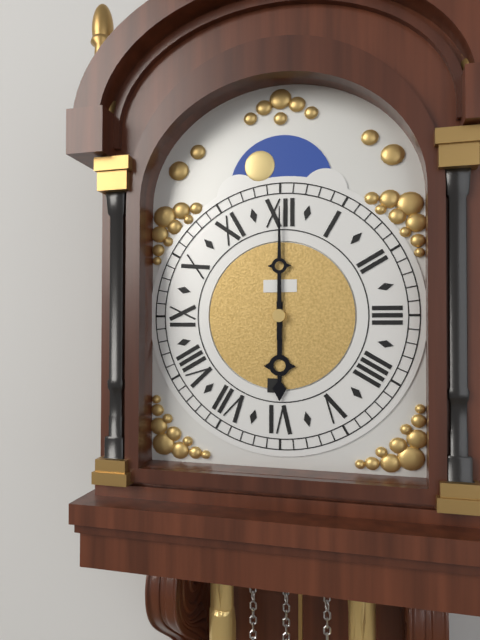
6:00
